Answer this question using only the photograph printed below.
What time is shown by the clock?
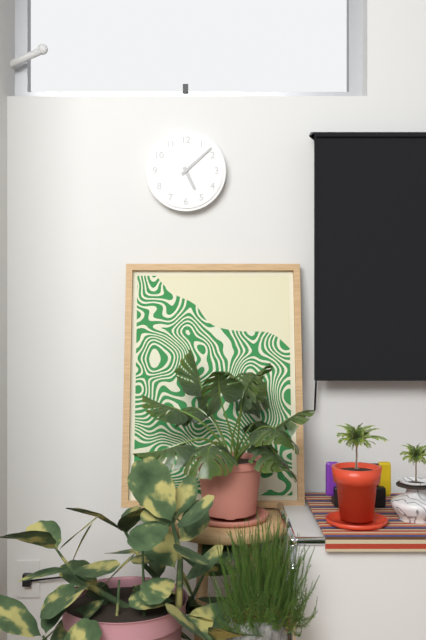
5:08
